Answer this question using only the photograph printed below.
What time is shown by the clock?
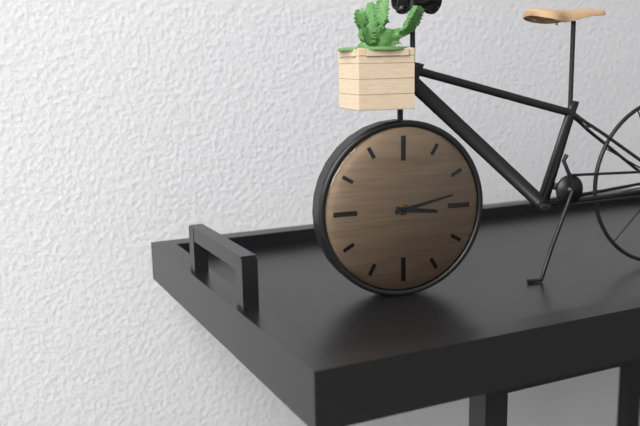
3:13
